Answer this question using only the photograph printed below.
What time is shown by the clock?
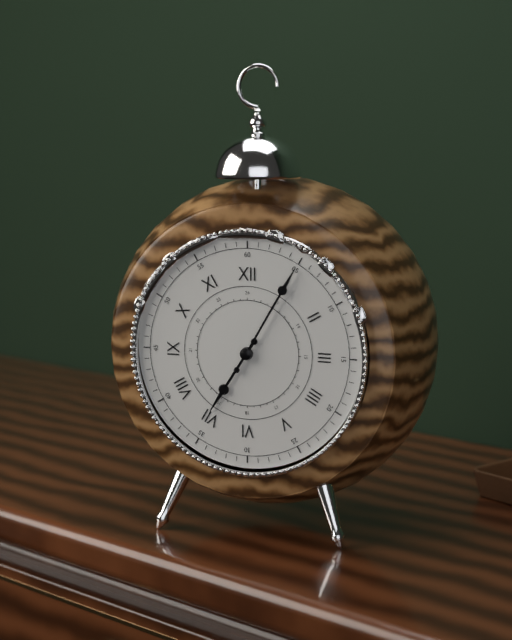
7:05
